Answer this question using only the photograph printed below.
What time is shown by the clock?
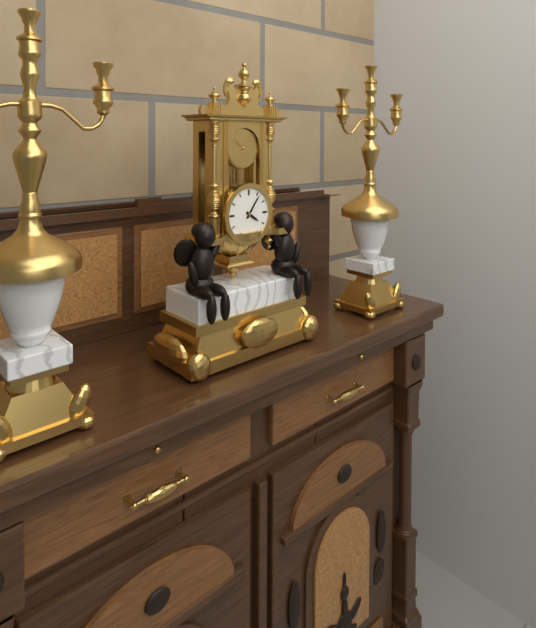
4:06
